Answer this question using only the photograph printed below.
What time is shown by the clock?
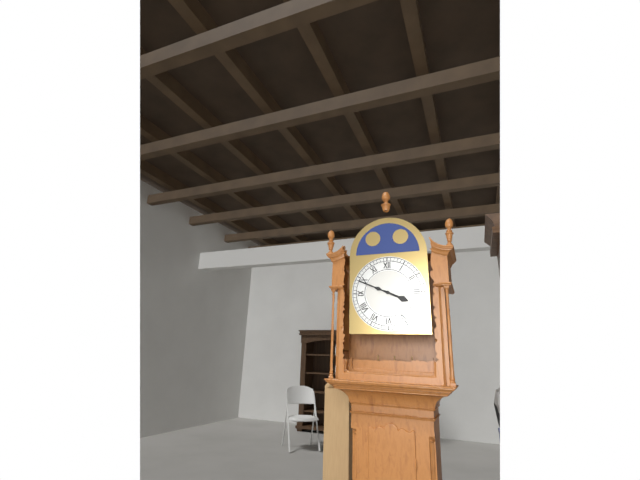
3:49
